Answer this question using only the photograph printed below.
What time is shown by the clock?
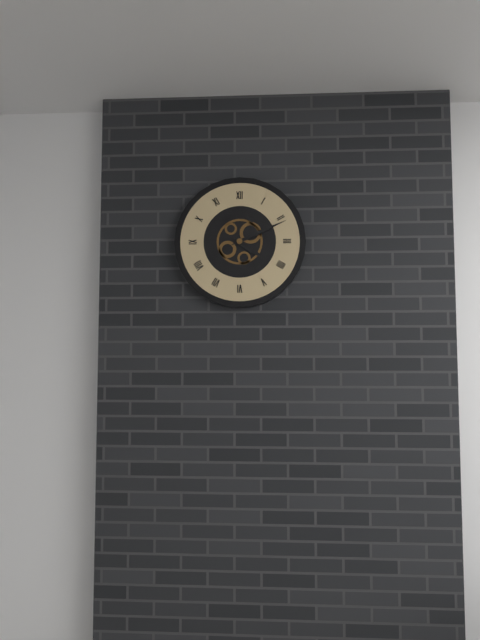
4:11
